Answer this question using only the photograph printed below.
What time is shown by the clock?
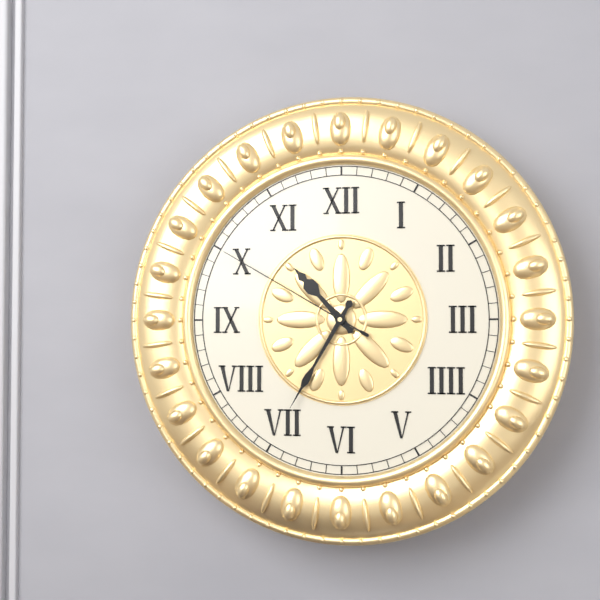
10:35:50
